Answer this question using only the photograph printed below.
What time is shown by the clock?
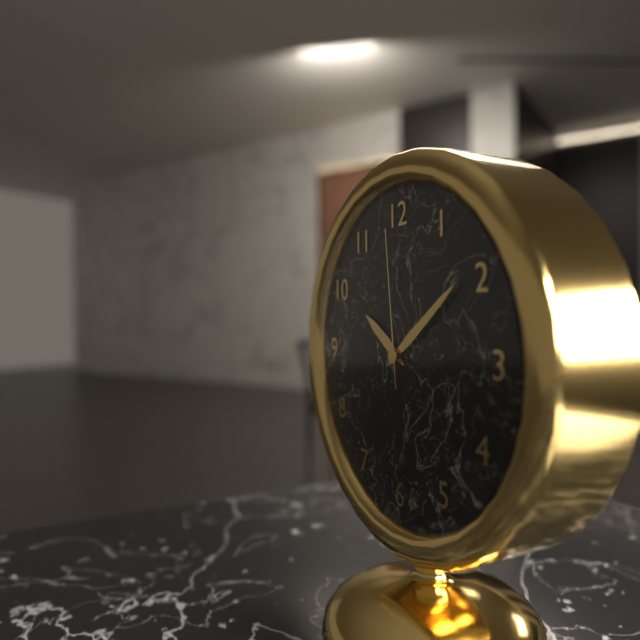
10:09:59
